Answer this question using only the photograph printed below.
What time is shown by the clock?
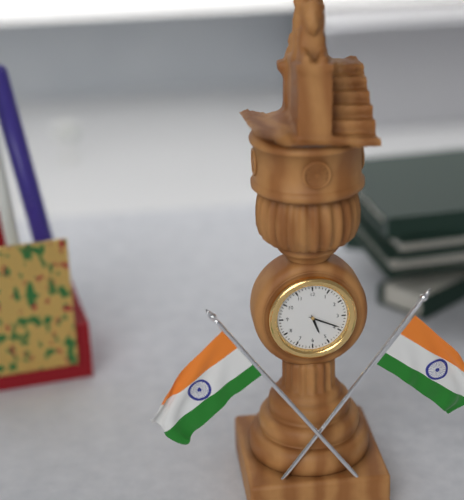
5:19
